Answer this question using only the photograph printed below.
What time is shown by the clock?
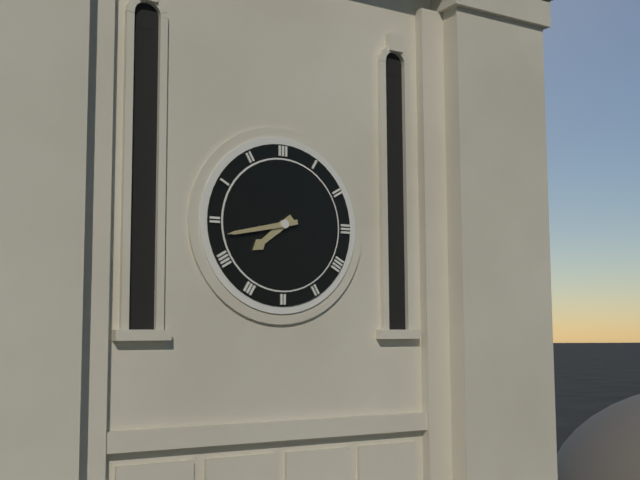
7:43
